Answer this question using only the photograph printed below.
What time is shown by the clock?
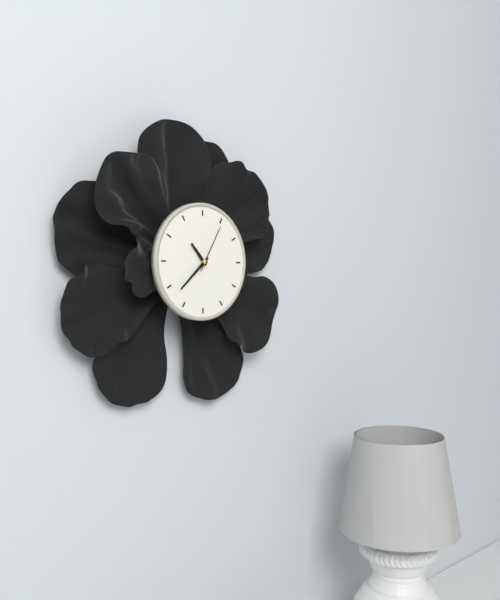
10:38
